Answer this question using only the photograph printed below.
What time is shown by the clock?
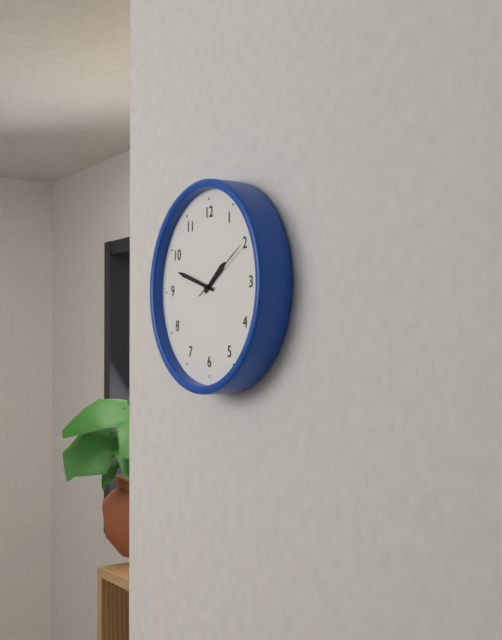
1:48:10
